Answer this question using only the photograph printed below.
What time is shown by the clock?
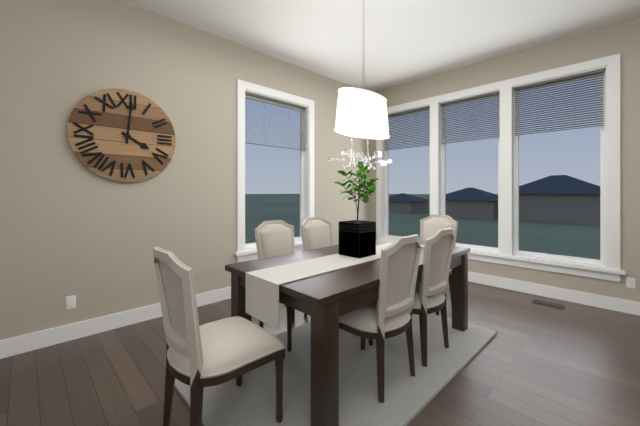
4:01
